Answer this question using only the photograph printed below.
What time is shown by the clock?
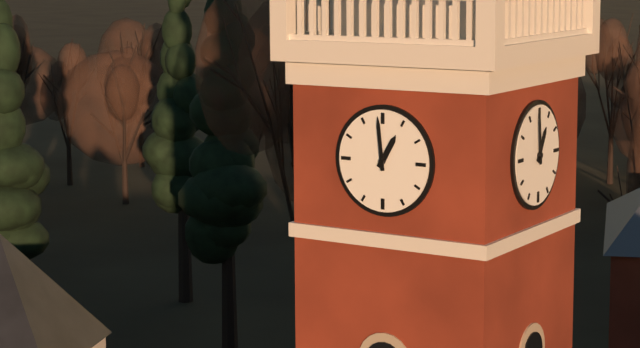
12:59
